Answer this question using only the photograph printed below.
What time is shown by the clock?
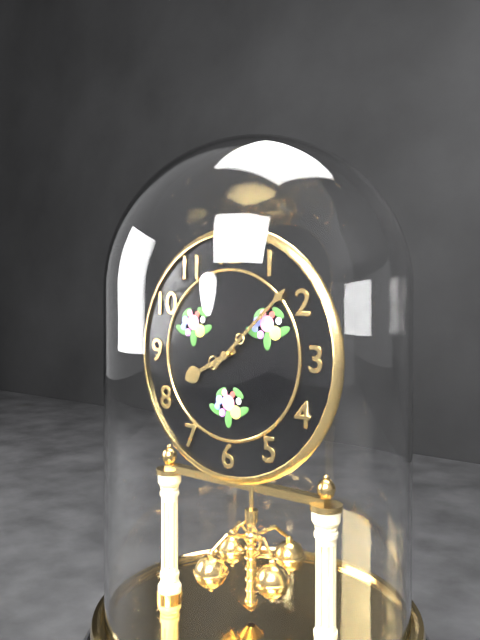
8:08
